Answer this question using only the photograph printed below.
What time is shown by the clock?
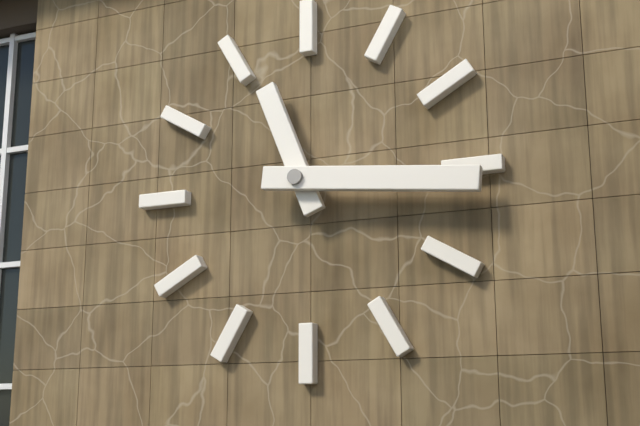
11:16
